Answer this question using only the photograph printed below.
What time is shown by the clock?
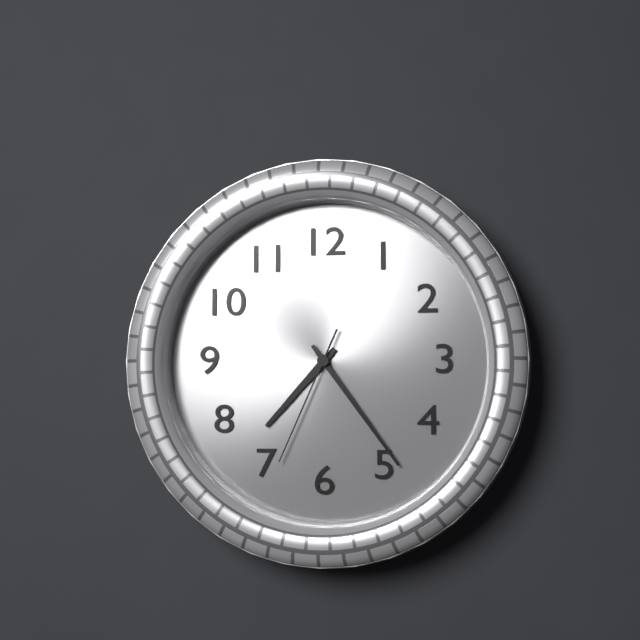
7:24:34
